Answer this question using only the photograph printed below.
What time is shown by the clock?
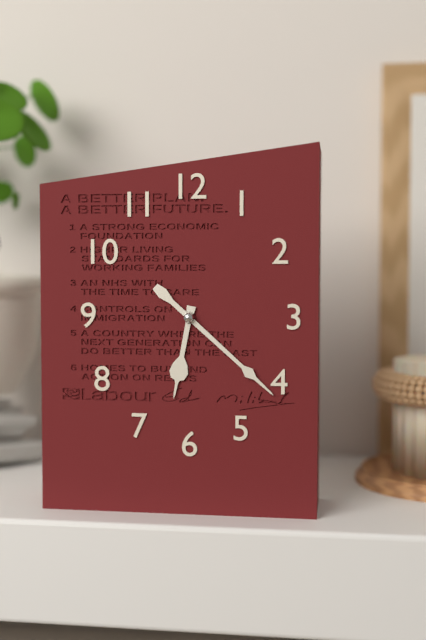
6:22
